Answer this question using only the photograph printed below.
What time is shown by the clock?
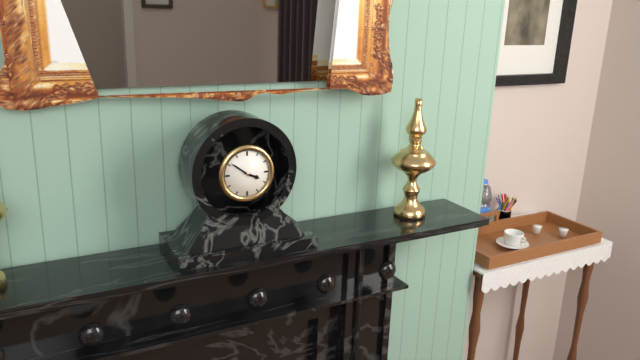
3:51
